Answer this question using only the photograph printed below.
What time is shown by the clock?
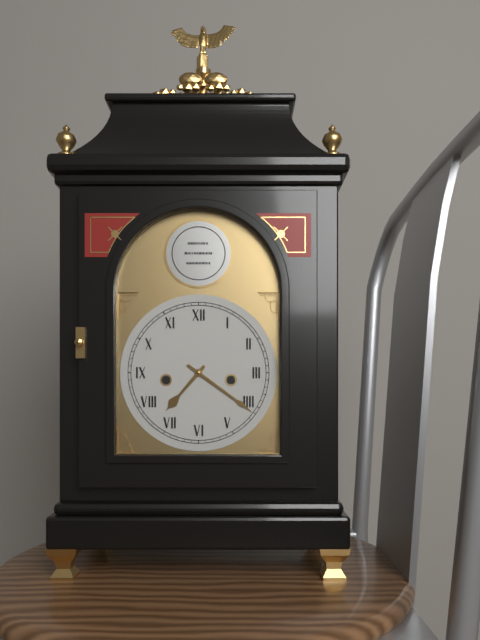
7:21
